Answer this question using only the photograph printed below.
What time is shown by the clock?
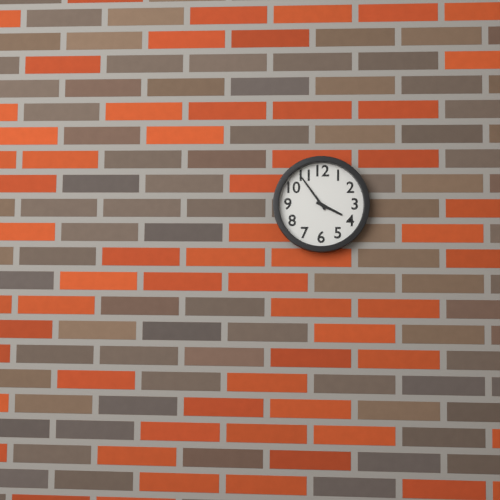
3:54
